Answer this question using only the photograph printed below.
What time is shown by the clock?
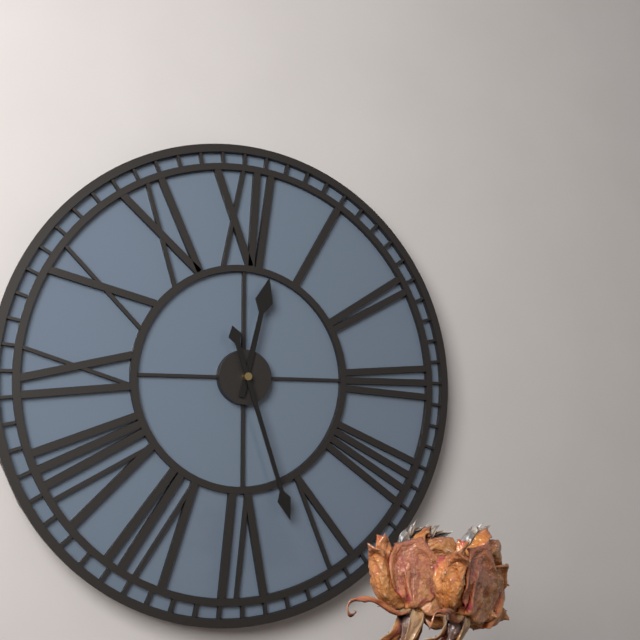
12:27
